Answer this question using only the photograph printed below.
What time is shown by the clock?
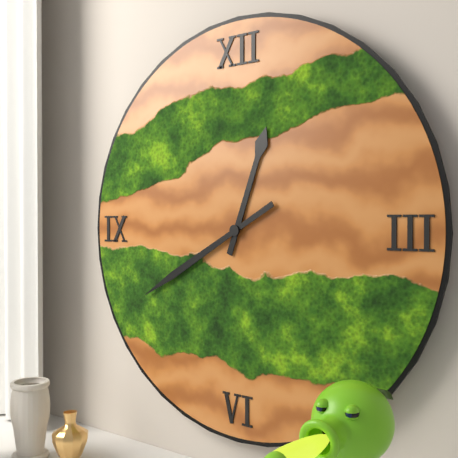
12:40
